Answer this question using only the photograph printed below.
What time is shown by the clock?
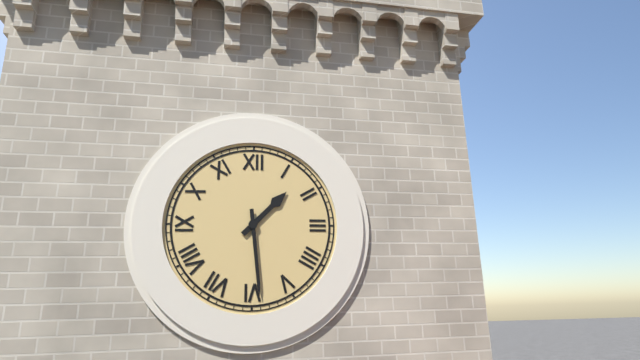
1:29
